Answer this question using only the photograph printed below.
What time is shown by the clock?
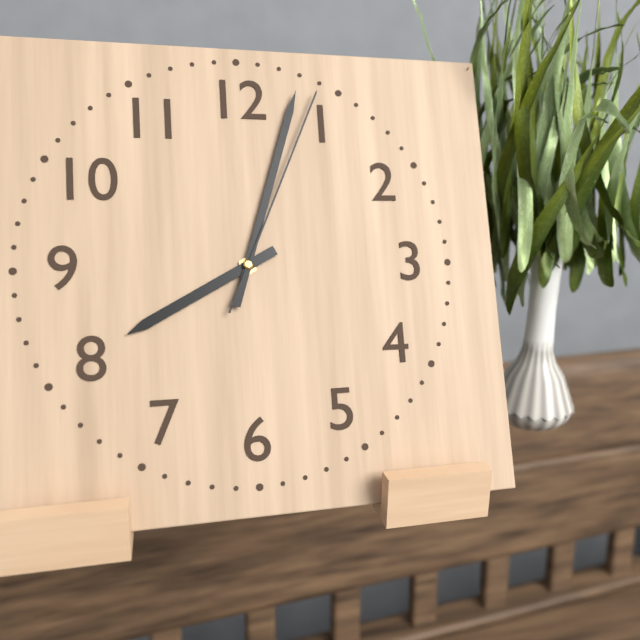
8:03:04
